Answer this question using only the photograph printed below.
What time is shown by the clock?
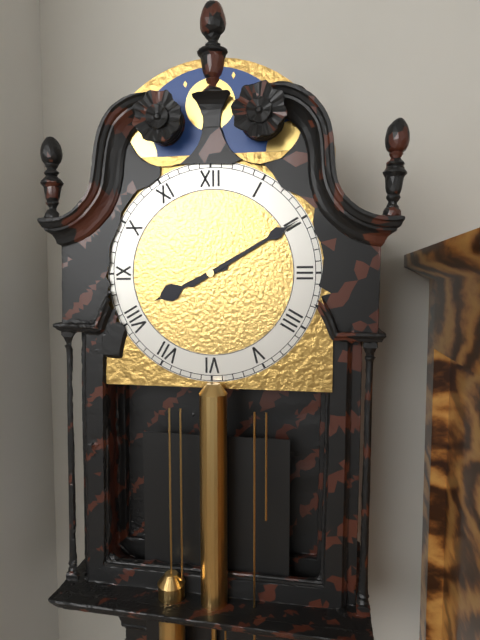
8:10
